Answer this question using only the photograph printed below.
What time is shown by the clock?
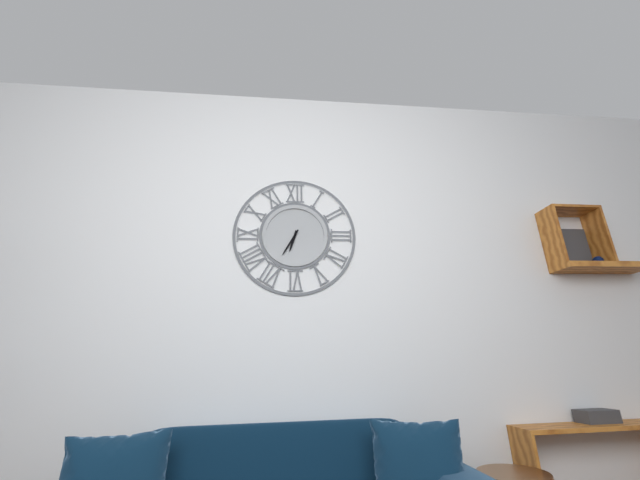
6:35
